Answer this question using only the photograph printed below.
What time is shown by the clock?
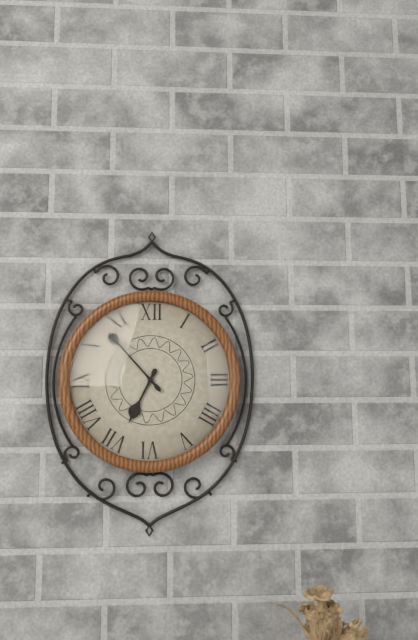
6:53
